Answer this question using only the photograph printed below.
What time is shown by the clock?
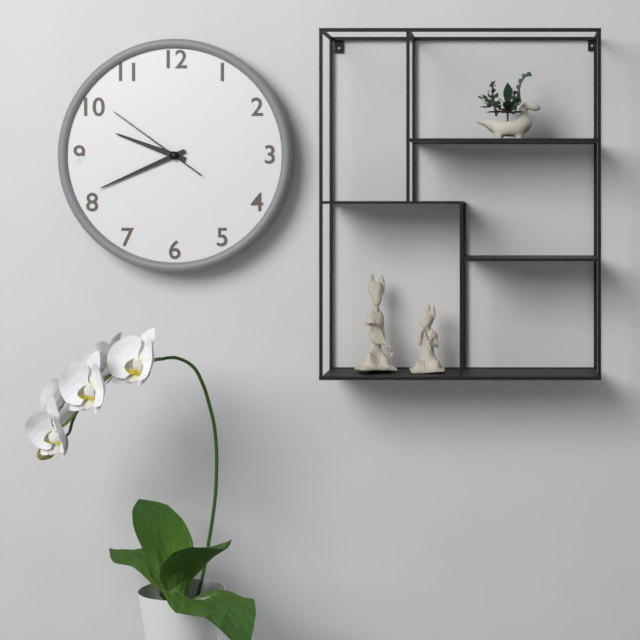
9:41:51
